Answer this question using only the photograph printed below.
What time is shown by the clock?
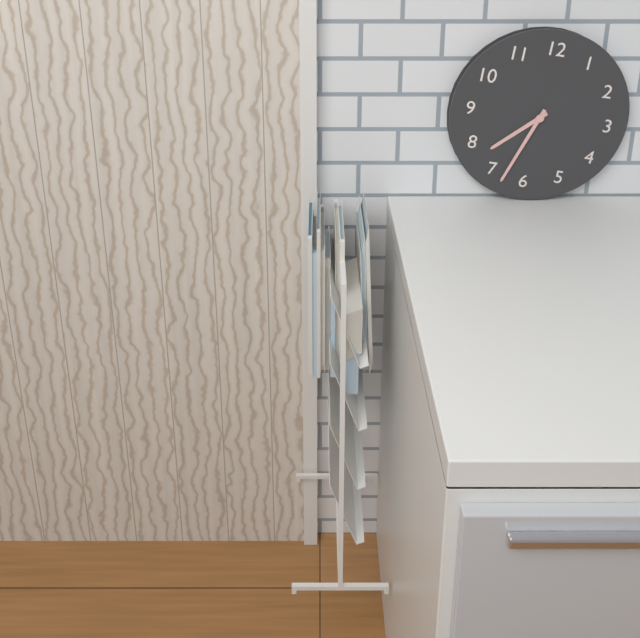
7:33
